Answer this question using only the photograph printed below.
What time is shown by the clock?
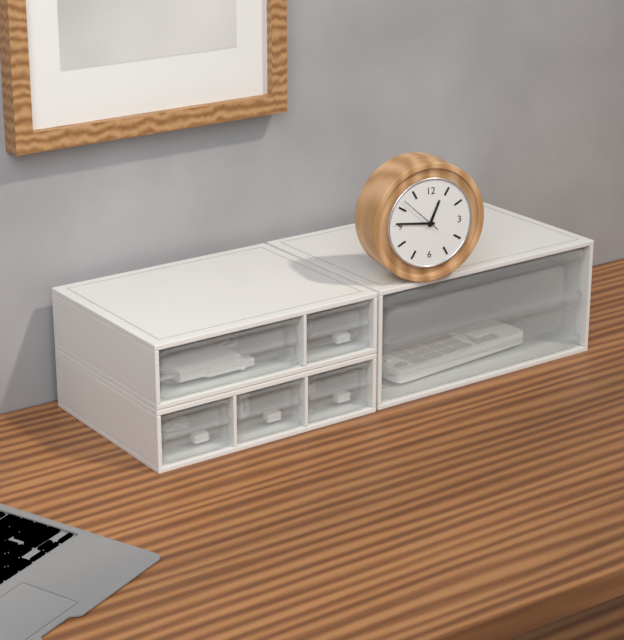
12:46
